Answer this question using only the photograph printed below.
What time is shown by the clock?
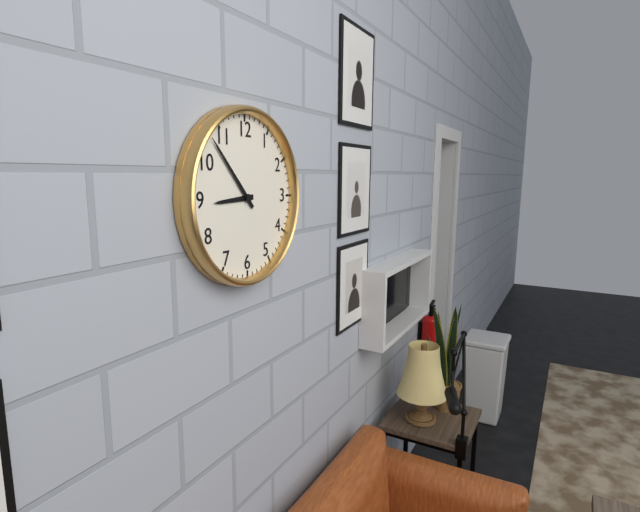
8:53
